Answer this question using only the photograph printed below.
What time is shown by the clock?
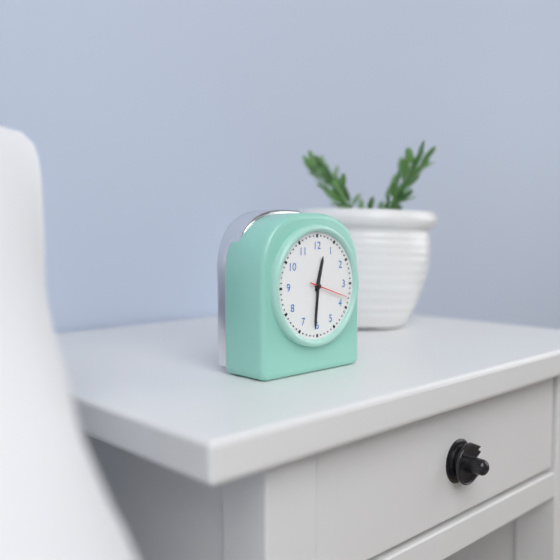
12:31
